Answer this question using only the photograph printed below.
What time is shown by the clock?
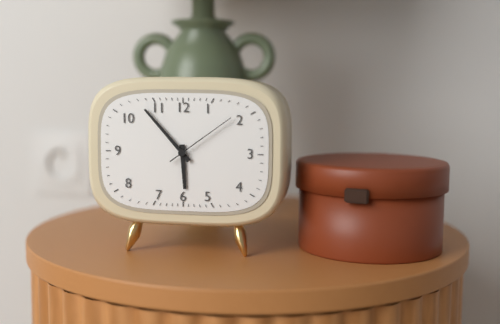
5:53:09
